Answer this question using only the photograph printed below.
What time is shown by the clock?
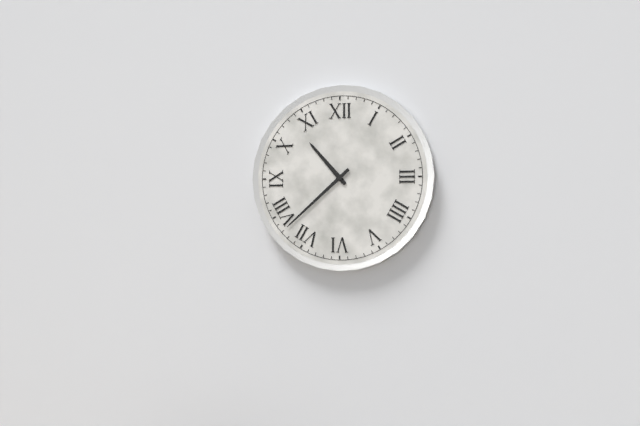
10:38
